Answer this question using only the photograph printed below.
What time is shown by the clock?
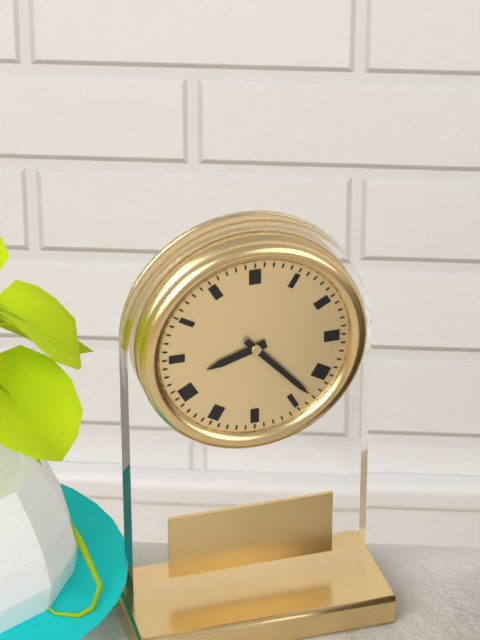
8:23
